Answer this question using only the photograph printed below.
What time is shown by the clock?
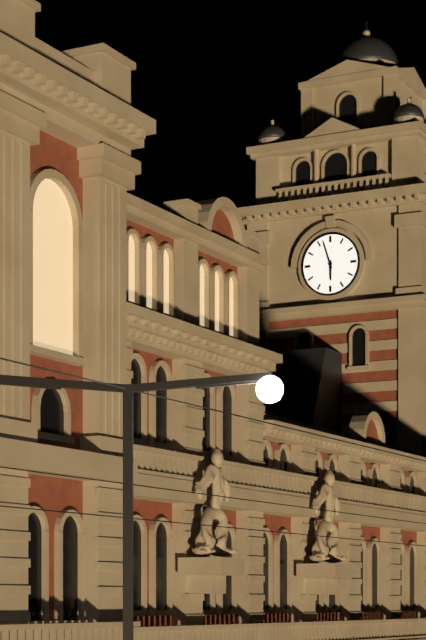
5:57
